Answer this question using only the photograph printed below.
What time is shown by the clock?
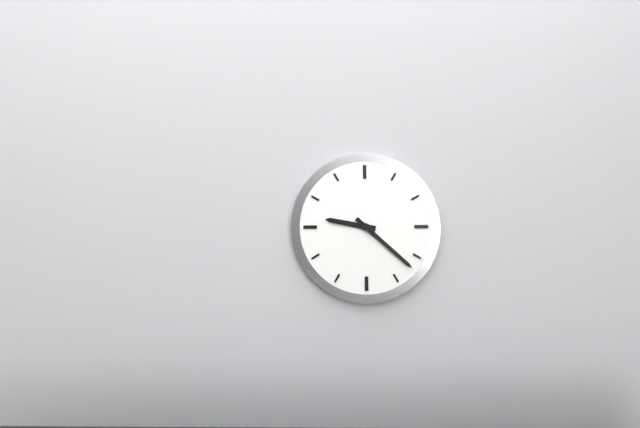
9:22
